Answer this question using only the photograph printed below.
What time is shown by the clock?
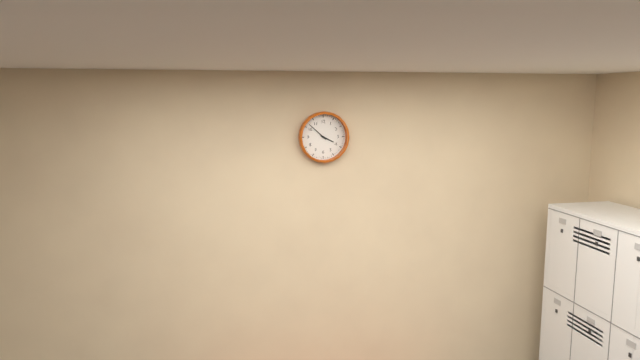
3:52
